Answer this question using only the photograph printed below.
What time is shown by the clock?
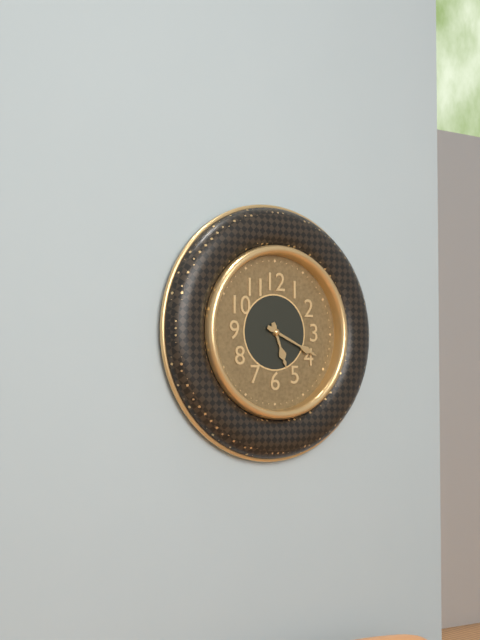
5:19
